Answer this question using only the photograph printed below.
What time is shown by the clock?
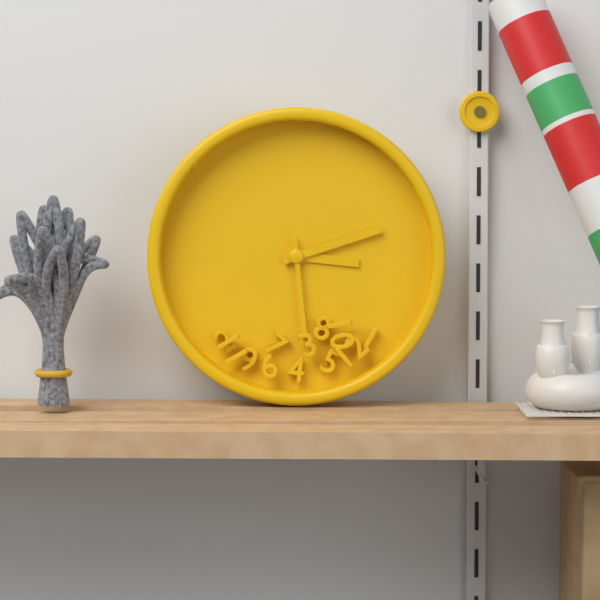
3:12:29
